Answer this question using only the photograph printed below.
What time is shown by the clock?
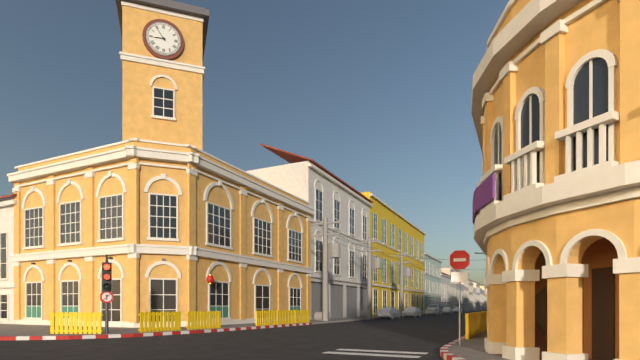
8:54
